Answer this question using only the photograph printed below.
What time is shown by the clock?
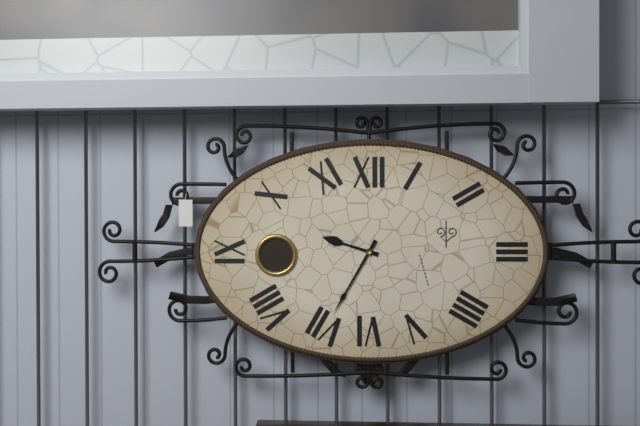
9:35
